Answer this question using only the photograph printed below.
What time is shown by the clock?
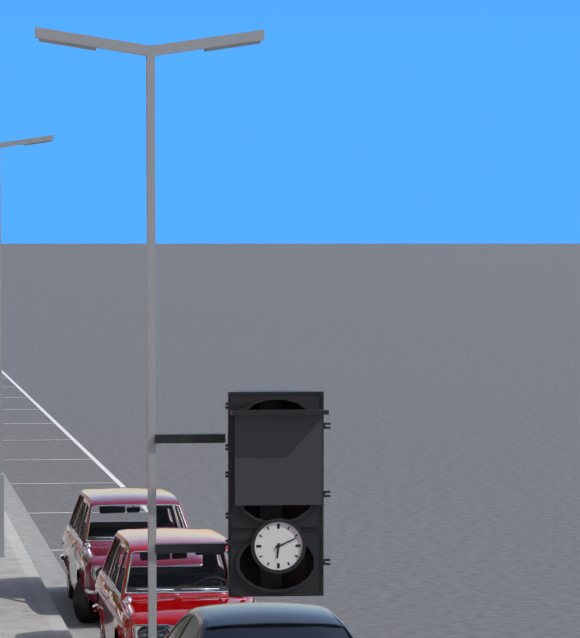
6:11
